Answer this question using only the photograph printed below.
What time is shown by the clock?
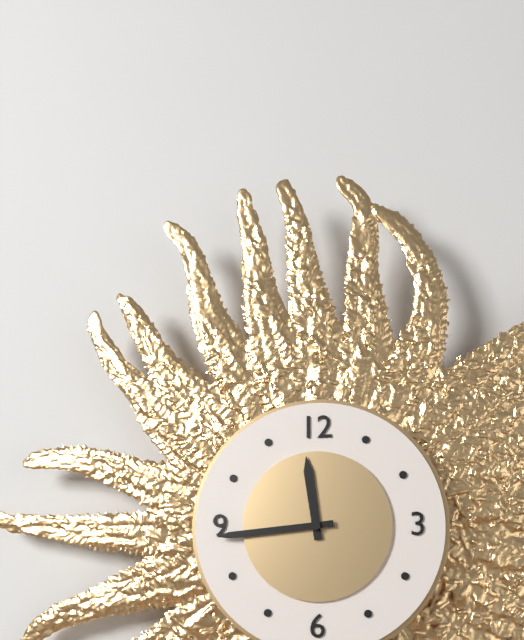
11:44
